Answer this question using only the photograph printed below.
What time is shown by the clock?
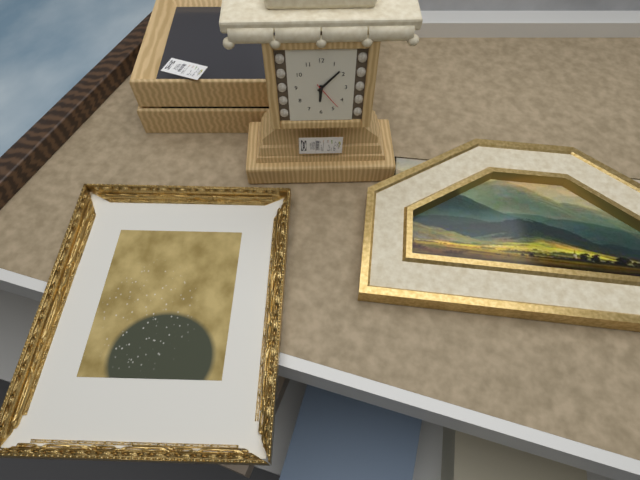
6:07
